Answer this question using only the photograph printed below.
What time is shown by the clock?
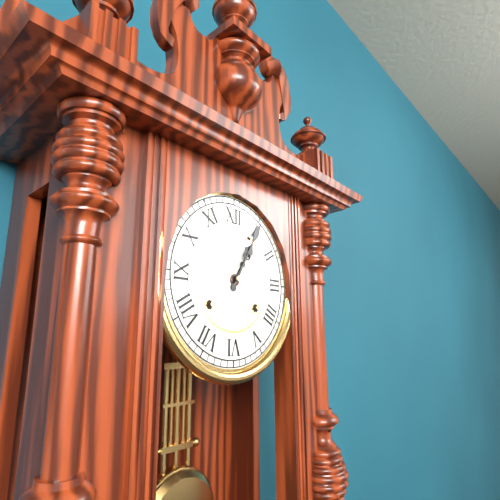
1:05
